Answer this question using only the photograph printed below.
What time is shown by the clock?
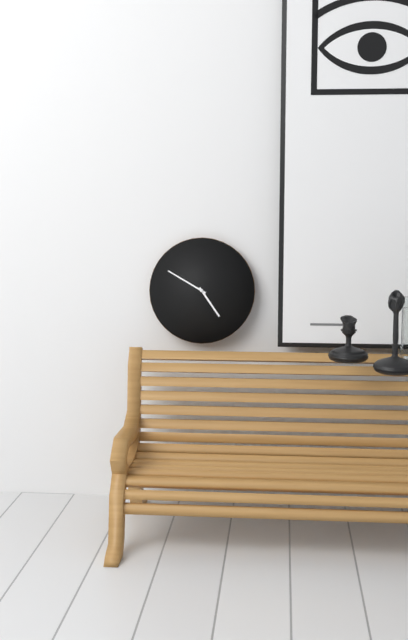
4:50
